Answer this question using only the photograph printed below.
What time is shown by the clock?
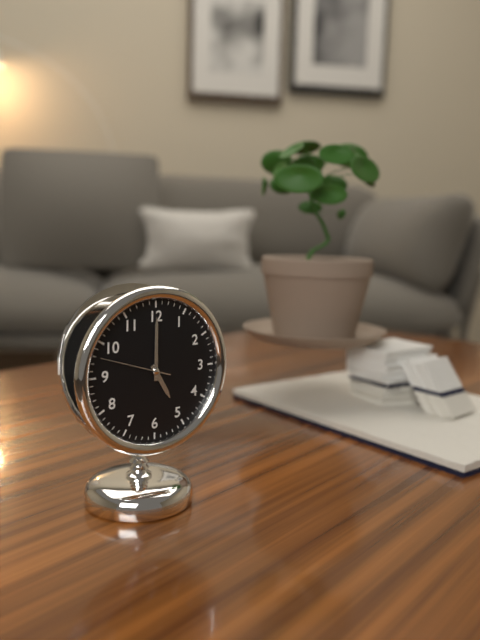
5:00:48
